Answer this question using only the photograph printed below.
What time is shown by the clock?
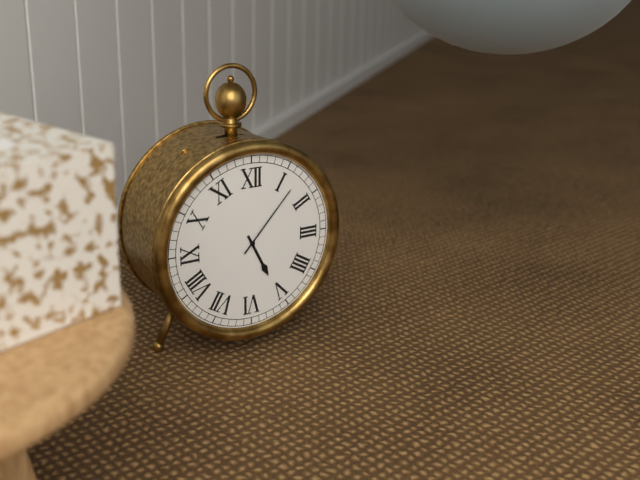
5:07
